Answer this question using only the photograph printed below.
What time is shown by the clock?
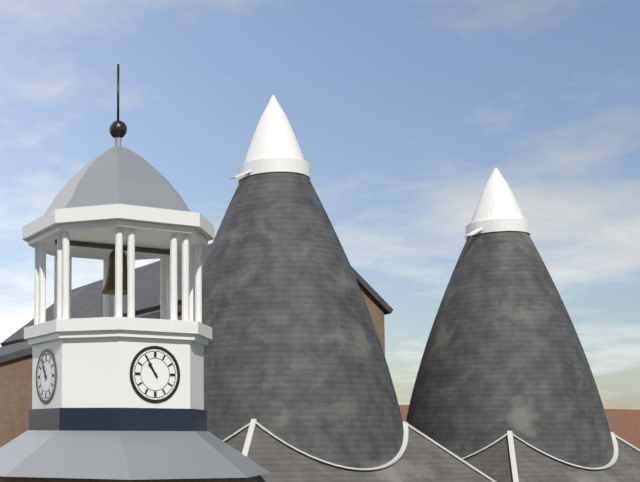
10:55
